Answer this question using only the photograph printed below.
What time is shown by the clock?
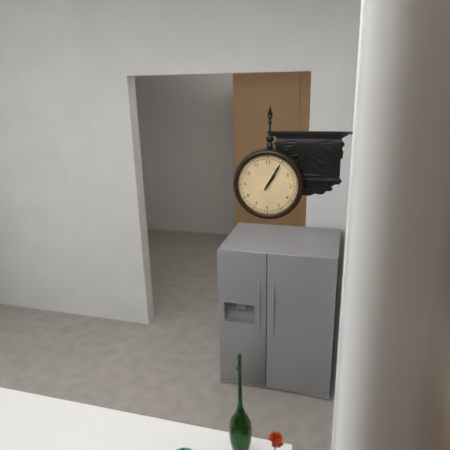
1:05
